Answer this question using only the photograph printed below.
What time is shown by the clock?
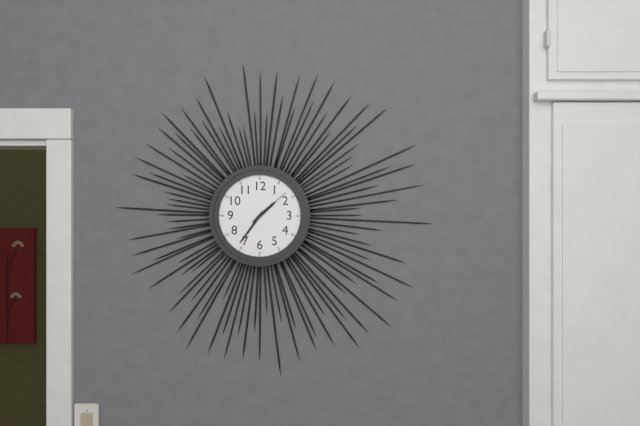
1:36
